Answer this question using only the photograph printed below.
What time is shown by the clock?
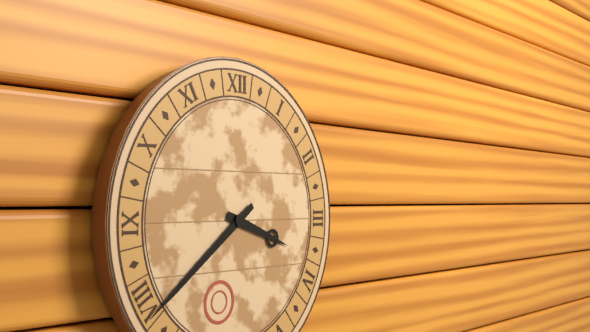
3:39
